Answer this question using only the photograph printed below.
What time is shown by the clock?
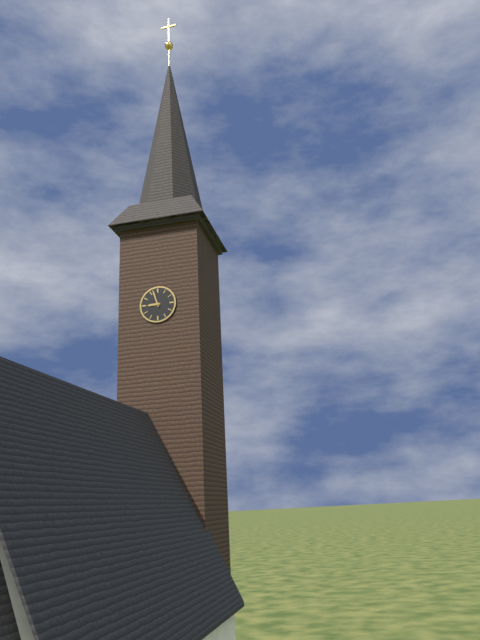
8:57
